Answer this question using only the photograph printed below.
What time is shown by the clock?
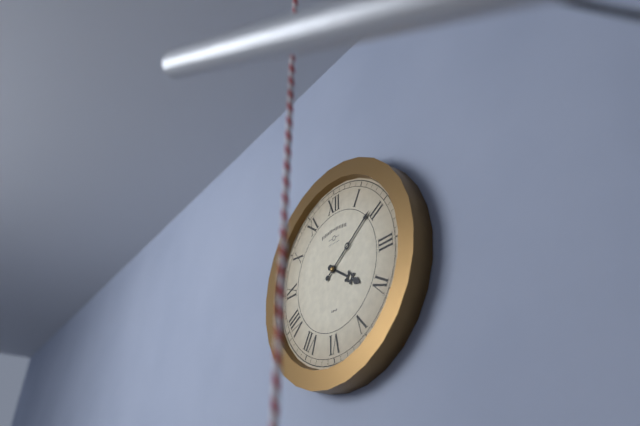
4:09
